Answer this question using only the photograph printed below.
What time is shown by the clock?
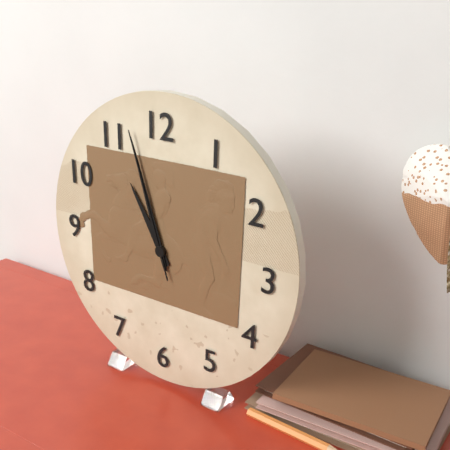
10:57:57
